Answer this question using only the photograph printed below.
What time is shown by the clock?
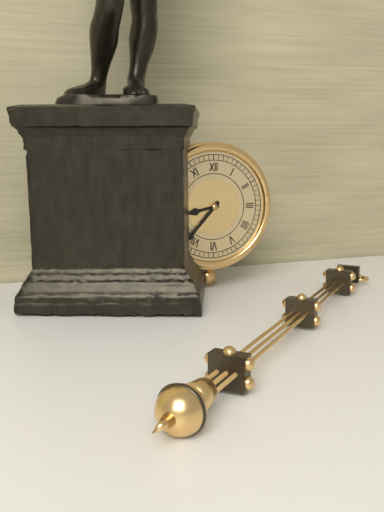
8:37
